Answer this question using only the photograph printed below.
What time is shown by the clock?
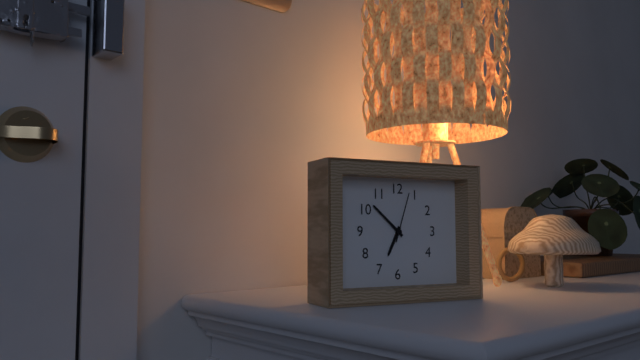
6:52:03
